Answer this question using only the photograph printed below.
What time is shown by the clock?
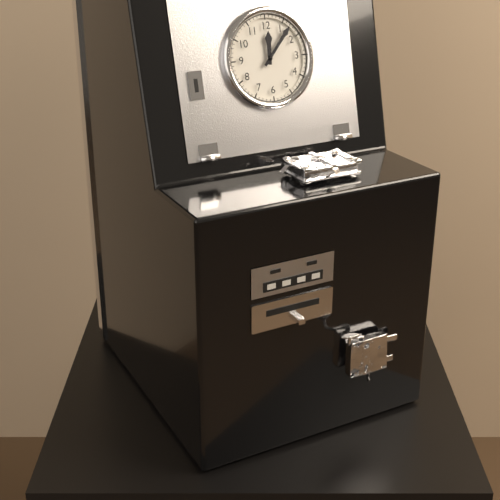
12:07
